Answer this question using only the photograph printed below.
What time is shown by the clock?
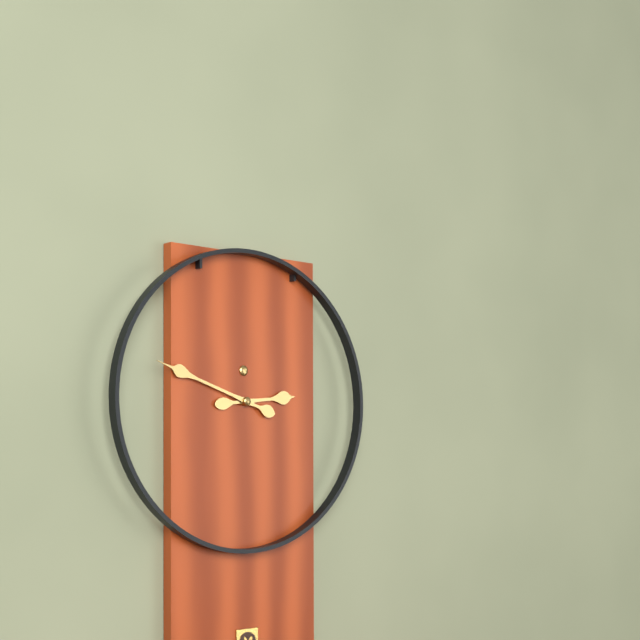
2:48
